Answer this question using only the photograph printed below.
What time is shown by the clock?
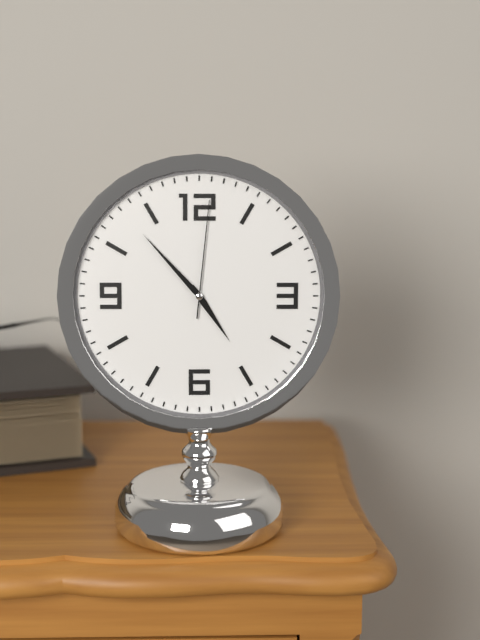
4:53:01
